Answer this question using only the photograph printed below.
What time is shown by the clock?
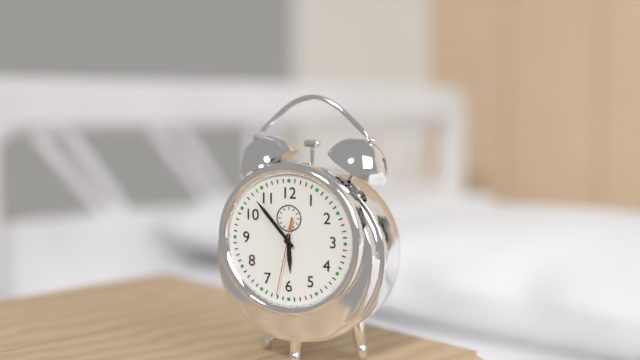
5:53:32
